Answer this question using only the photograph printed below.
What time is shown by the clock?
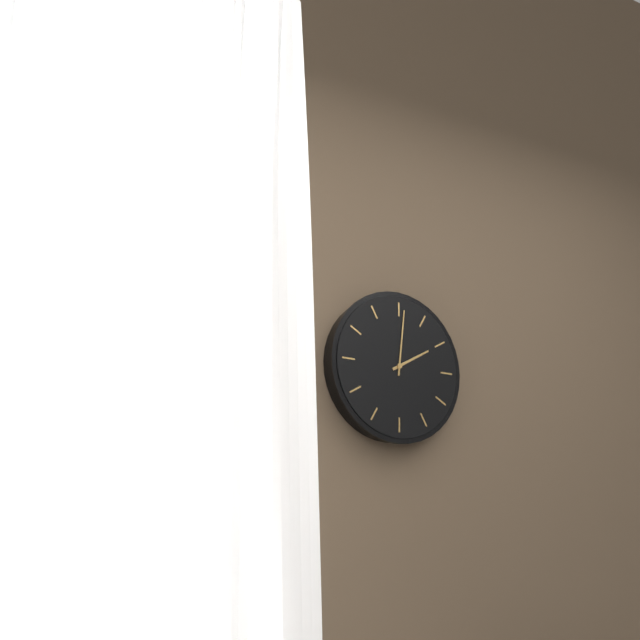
2:01
